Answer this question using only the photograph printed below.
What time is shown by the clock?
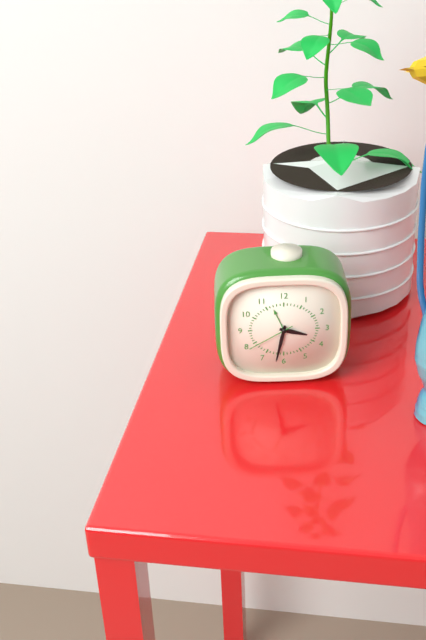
3:32
